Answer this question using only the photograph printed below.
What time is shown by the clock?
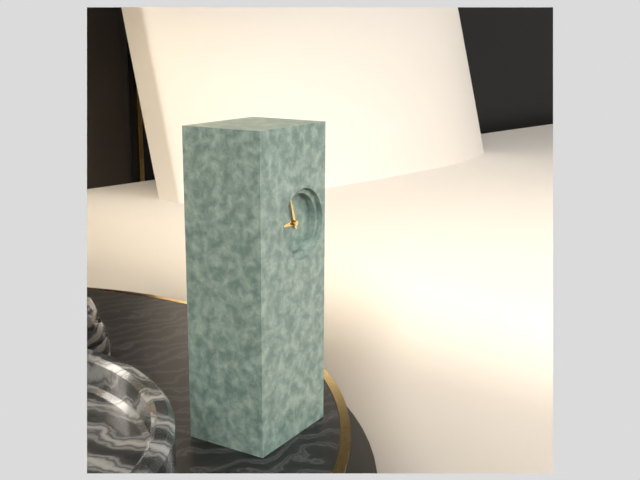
8:57
